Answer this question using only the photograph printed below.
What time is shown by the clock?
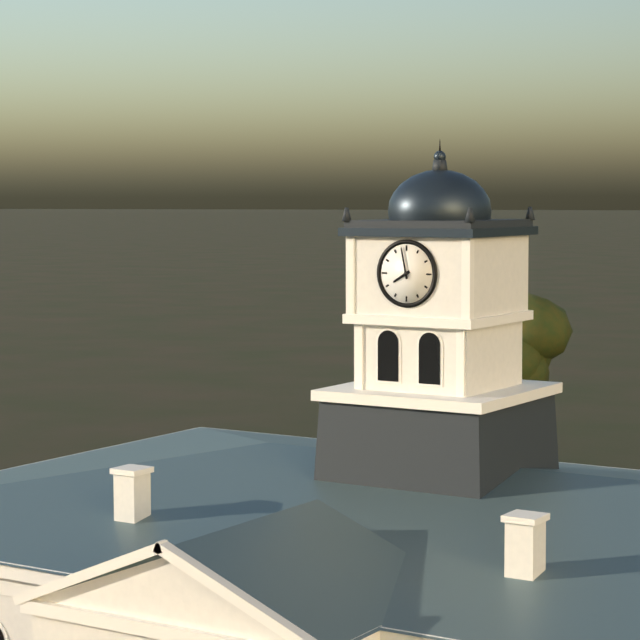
7:58
